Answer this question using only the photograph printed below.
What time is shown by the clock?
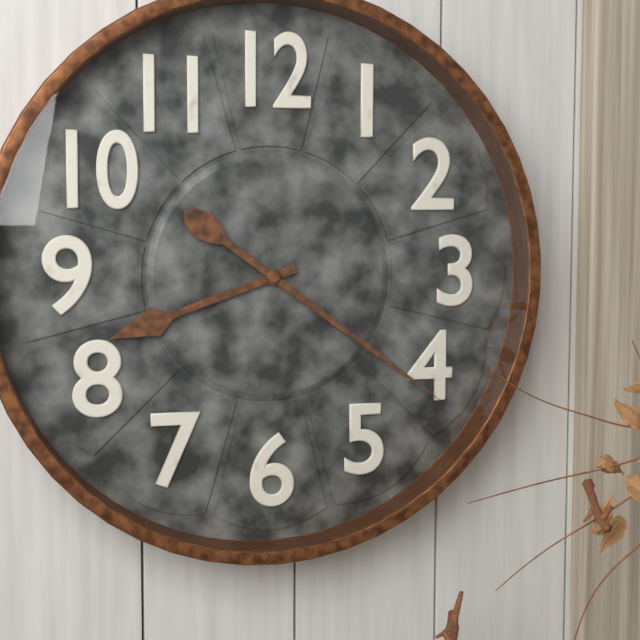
8:21
